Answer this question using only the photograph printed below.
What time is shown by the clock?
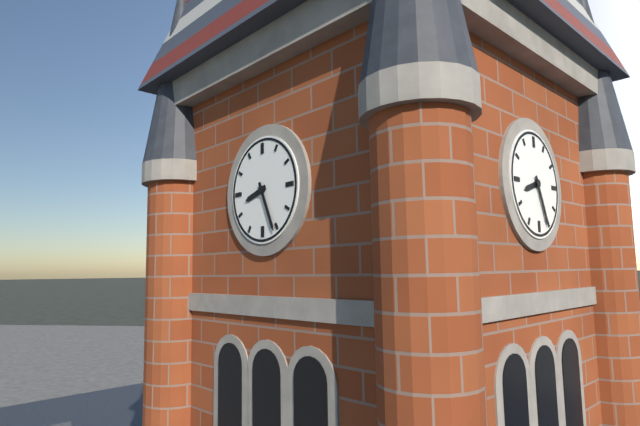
8:26
